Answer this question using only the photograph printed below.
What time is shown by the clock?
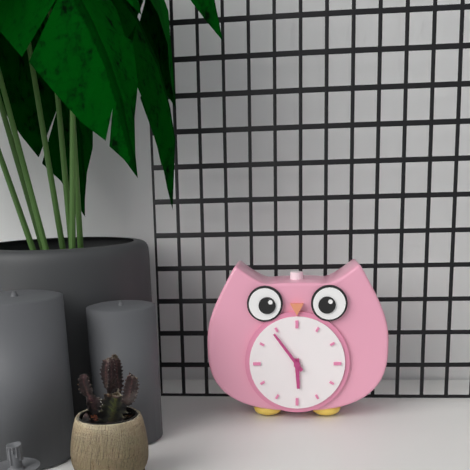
5:54
